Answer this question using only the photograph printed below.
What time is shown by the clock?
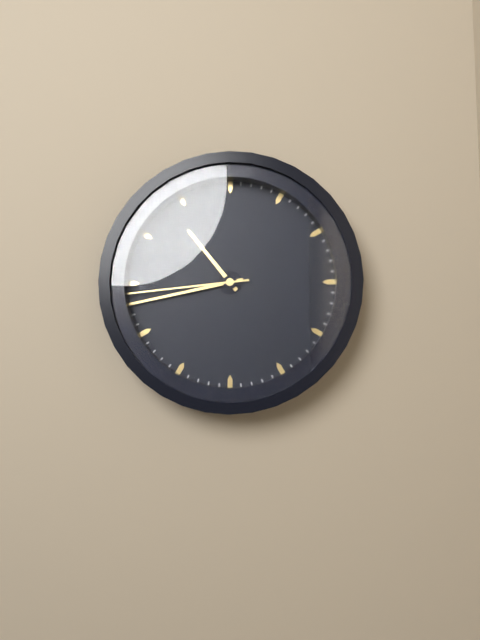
10:43:44
